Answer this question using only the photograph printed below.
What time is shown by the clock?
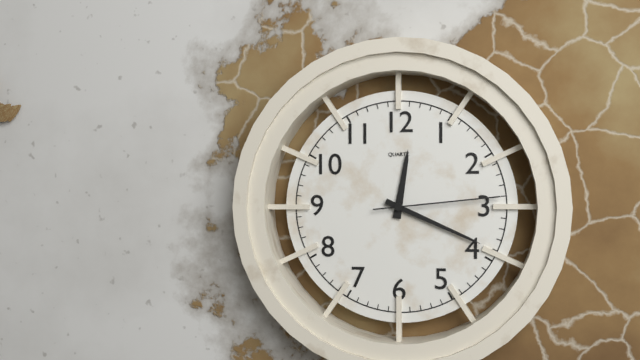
12:19:14
